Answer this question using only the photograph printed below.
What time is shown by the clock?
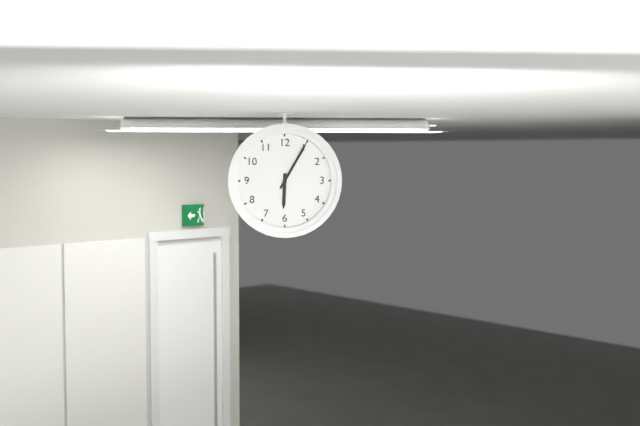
6:05
